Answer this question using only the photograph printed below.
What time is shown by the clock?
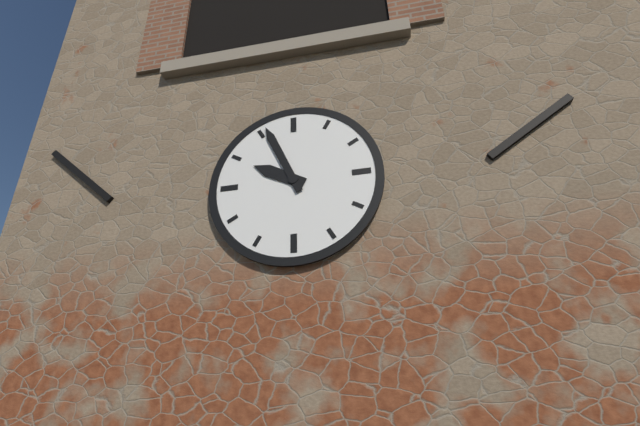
9:56
